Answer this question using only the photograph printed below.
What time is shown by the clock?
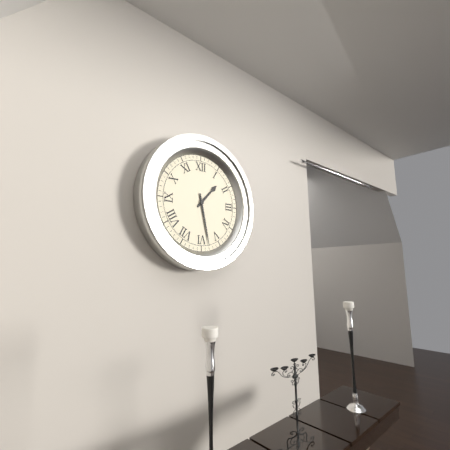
1:28
